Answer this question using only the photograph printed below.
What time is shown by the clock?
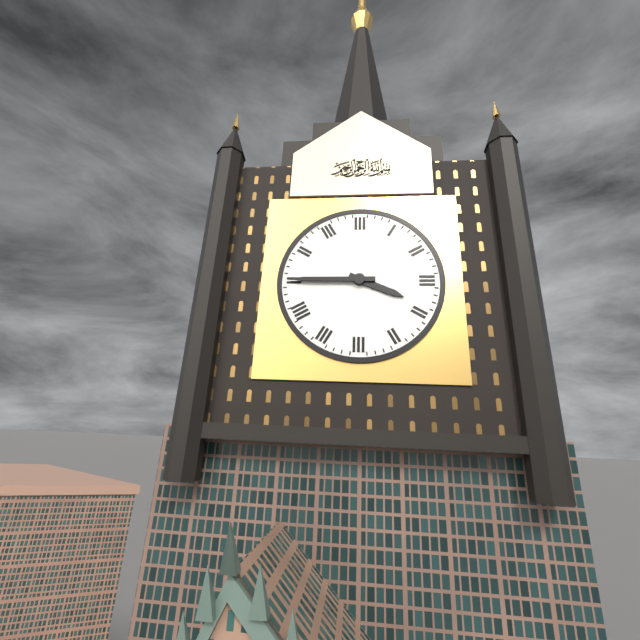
3:45
